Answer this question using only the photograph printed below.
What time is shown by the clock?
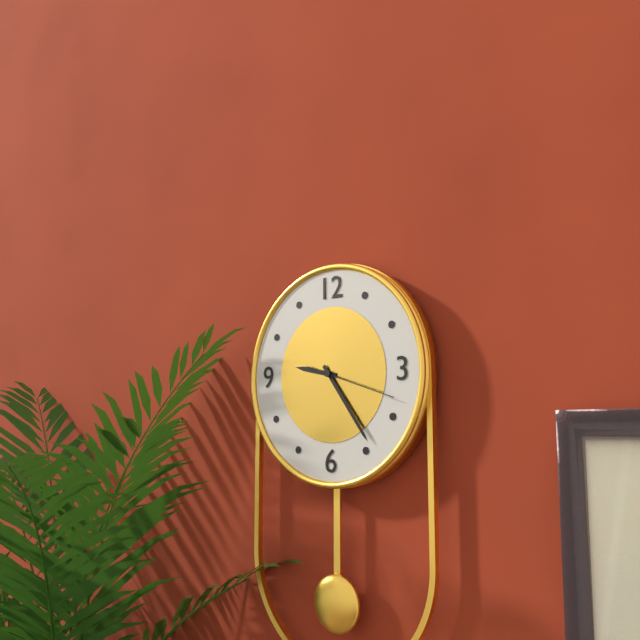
9:24:18
